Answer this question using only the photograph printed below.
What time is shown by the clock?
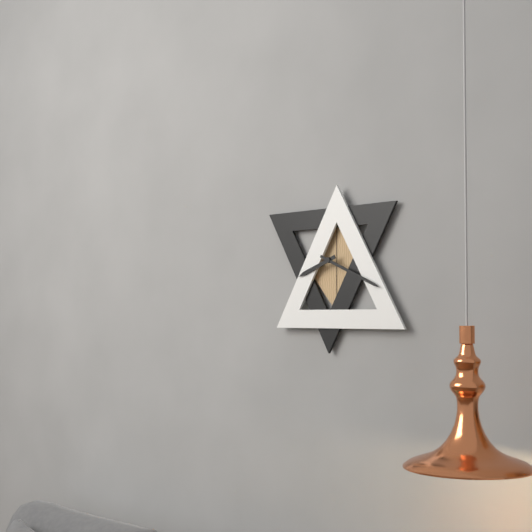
8:19
